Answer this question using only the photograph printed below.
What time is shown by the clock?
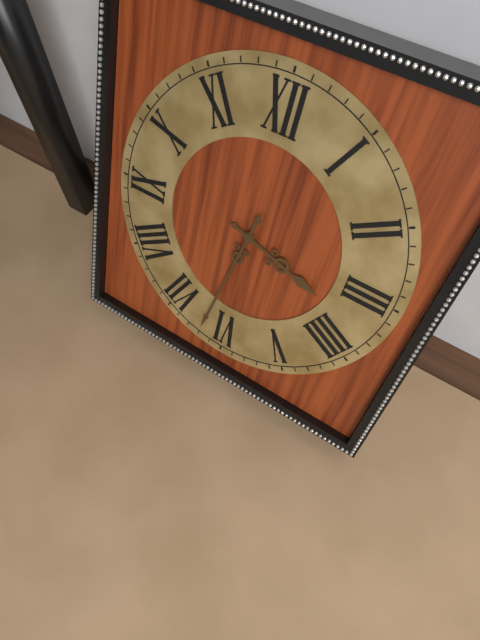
3:32
